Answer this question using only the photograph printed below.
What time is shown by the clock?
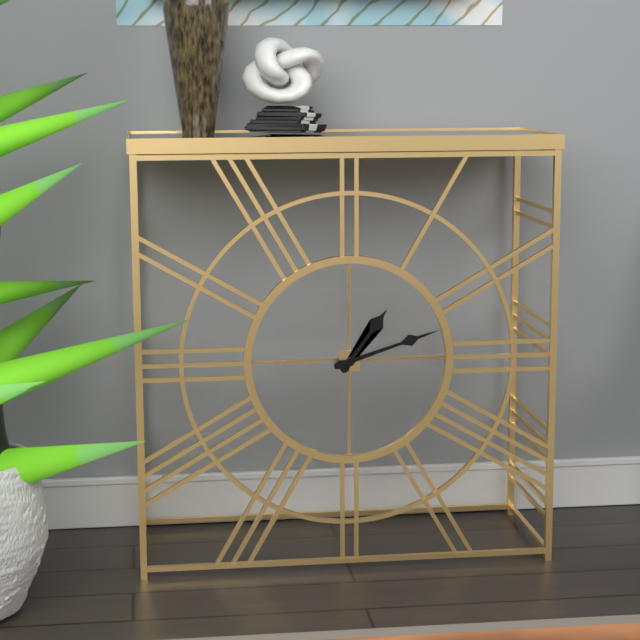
1:12
